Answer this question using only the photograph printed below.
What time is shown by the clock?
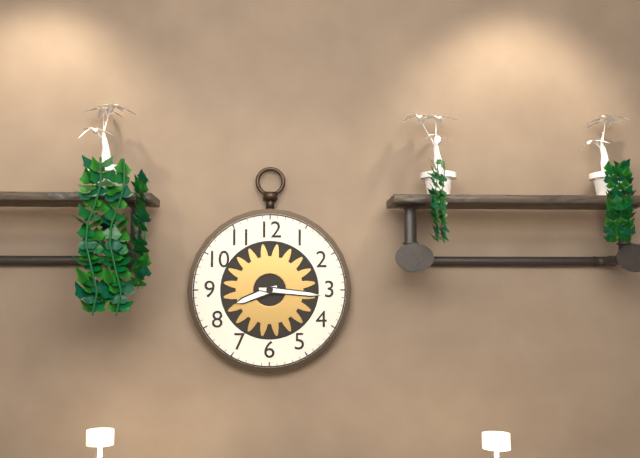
8:16
